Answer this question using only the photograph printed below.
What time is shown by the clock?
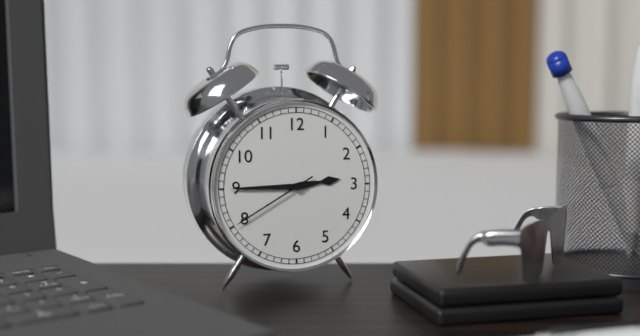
2:45:40
